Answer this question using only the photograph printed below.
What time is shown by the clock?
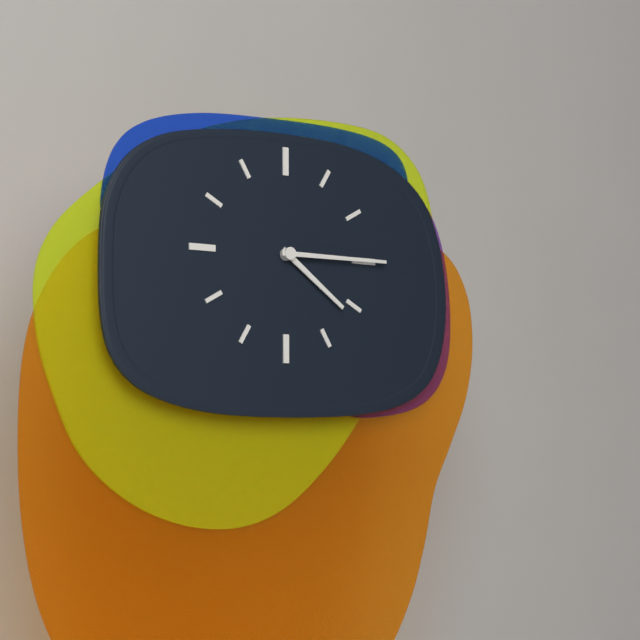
4:15
